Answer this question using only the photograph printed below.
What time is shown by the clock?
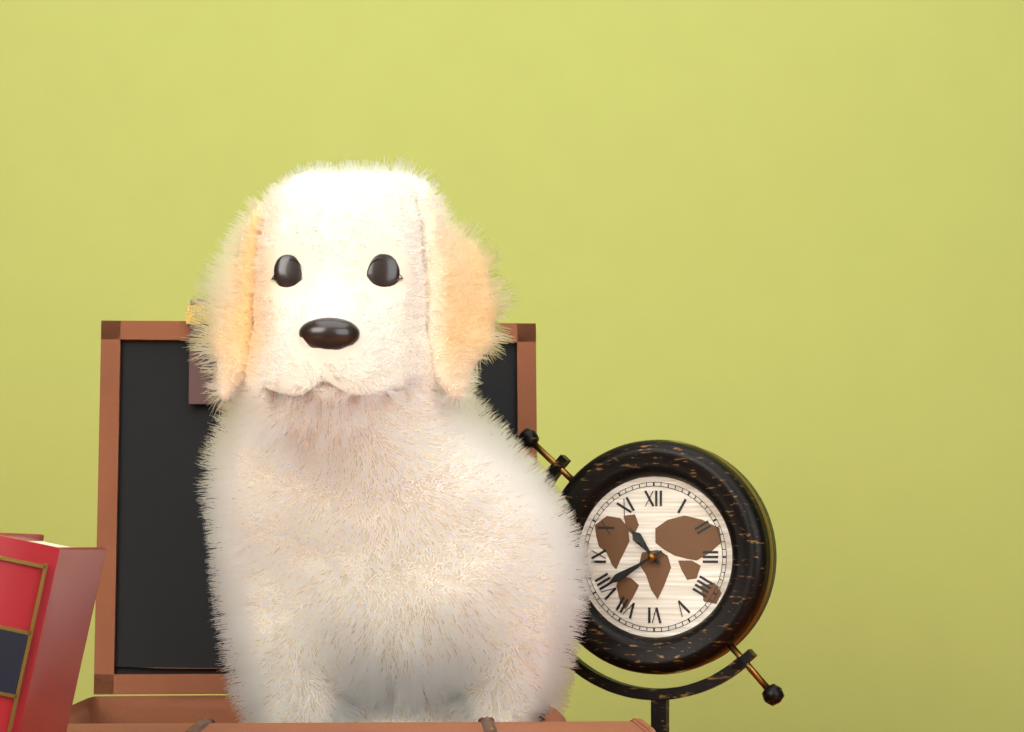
10:40
